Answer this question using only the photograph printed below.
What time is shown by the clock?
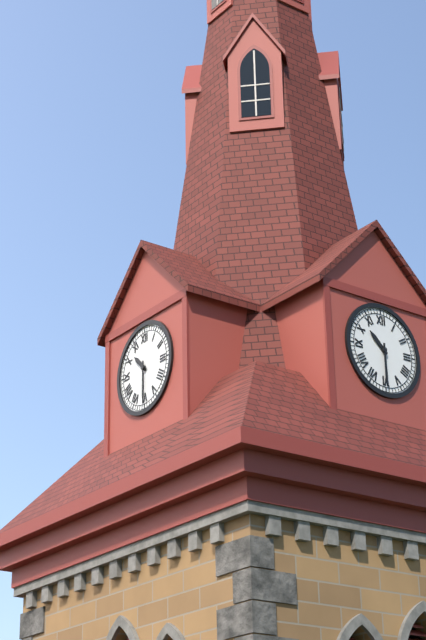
10:30
